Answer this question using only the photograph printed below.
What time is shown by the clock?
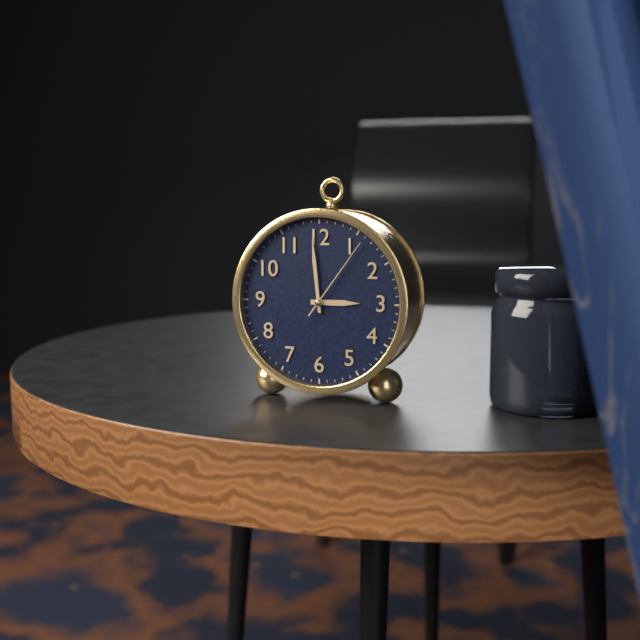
2:59:06
